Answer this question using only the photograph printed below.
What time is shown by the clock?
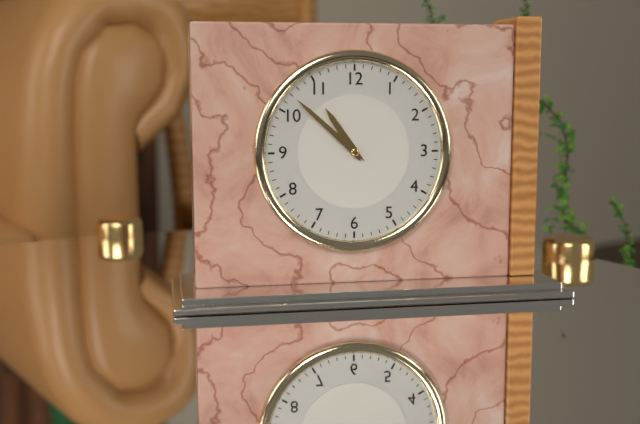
10:52
